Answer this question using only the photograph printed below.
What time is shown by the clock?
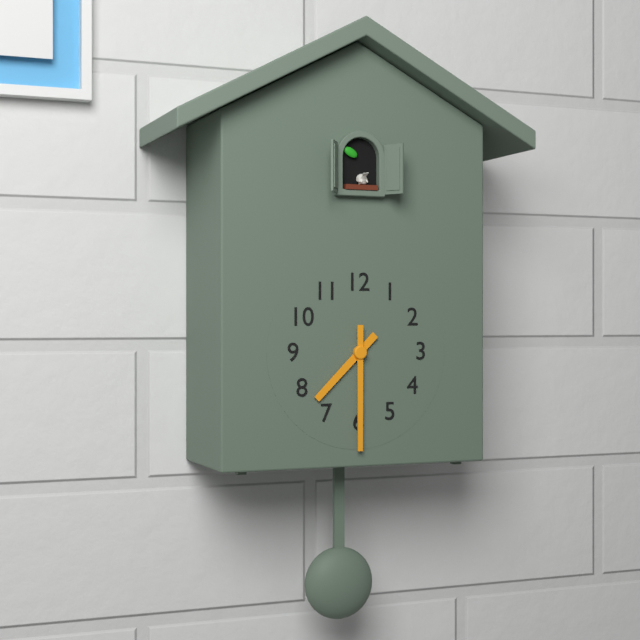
7:30
